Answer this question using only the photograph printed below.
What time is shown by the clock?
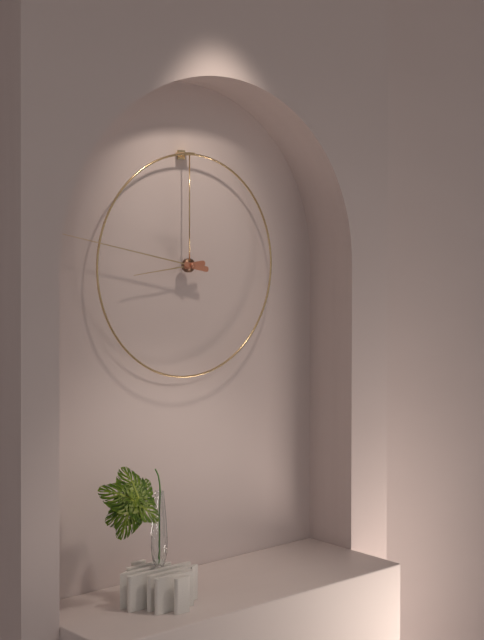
8:47
